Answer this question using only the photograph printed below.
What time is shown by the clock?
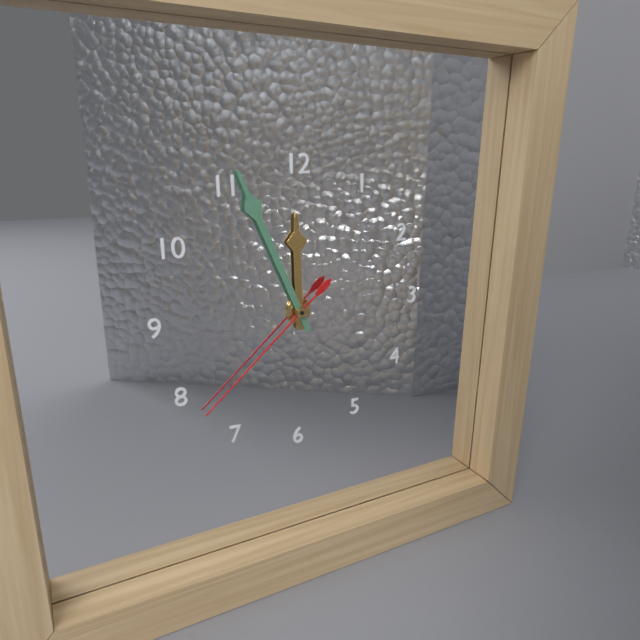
11:56:38
